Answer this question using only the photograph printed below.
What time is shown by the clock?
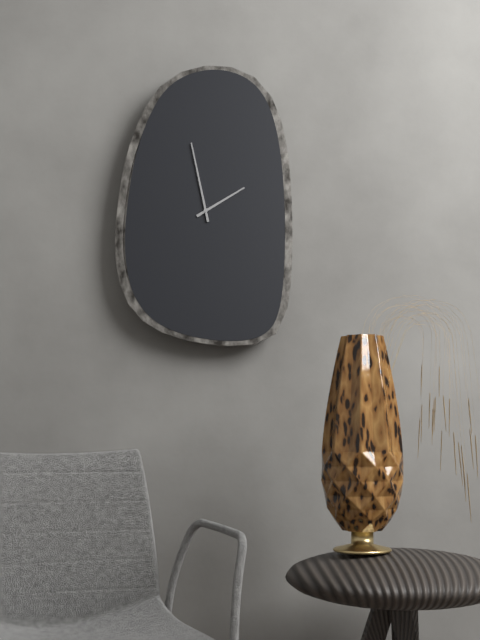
1:58
